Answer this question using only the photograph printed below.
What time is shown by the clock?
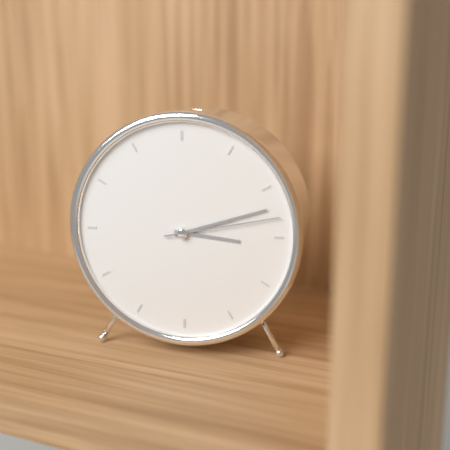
3:12:13
